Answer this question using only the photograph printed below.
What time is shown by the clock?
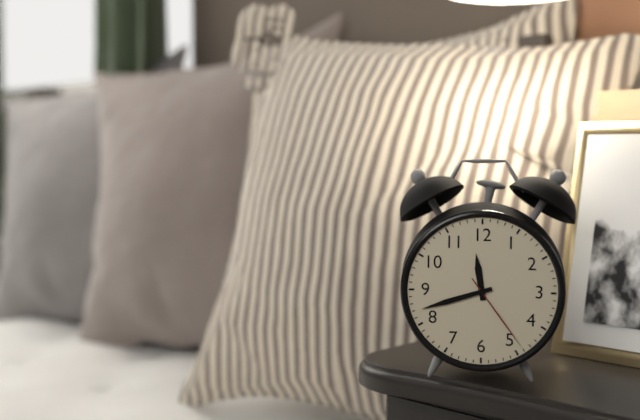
11:42:24
